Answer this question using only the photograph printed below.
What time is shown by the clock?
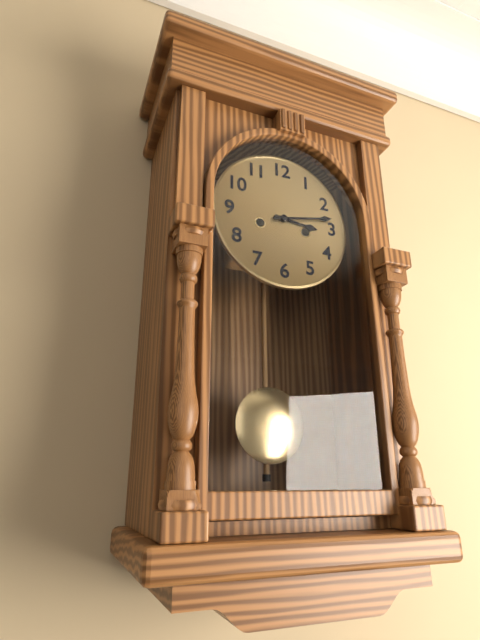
3:13
